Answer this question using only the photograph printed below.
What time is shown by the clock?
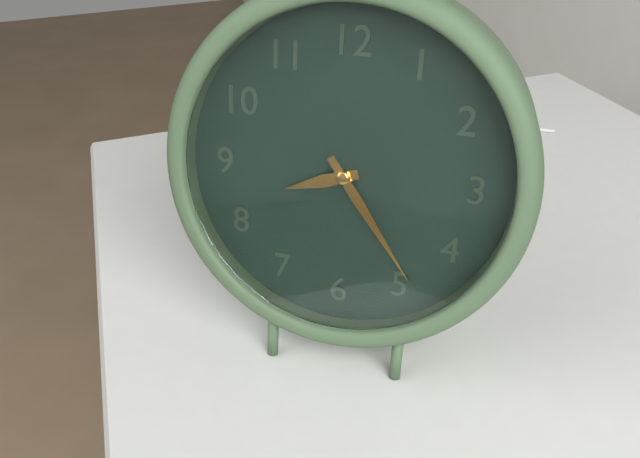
8:24
